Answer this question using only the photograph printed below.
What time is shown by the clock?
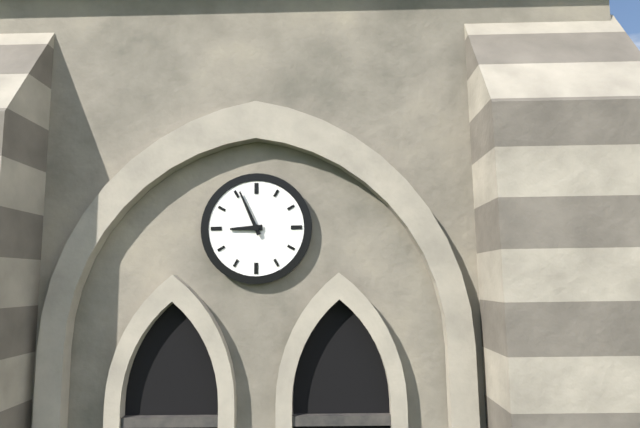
8:56
